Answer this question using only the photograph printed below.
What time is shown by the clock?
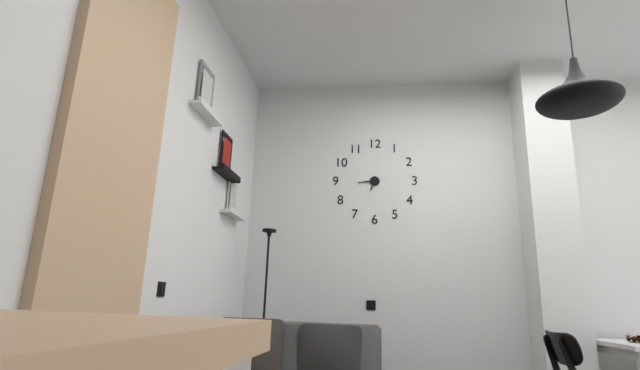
6:44
